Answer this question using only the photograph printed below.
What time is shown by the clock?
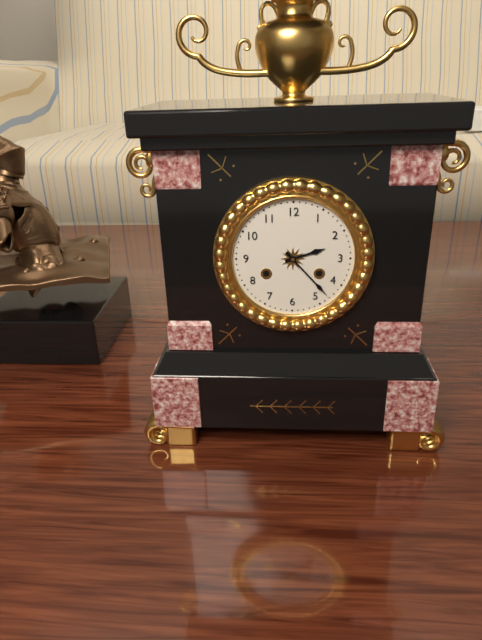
2:23
